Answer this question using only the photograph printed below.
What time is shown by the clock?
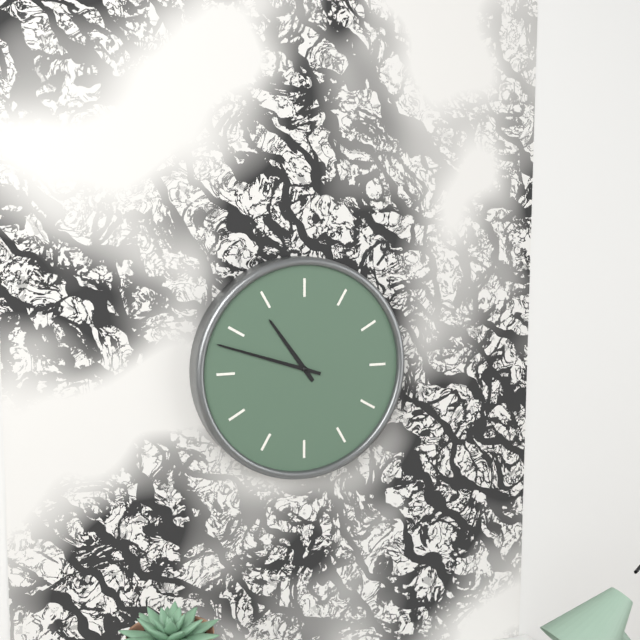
10:48
